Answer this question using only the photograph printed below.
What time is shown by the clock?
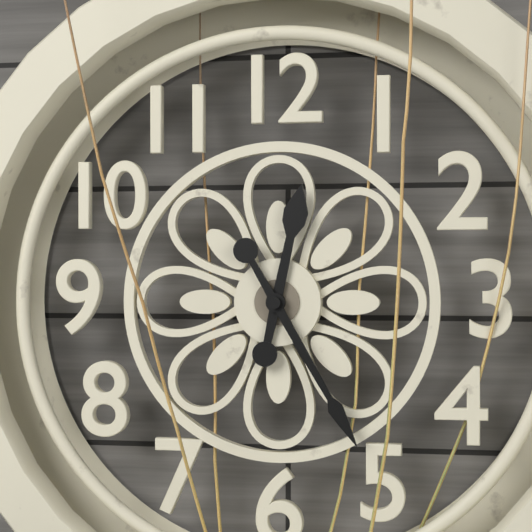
12:25
